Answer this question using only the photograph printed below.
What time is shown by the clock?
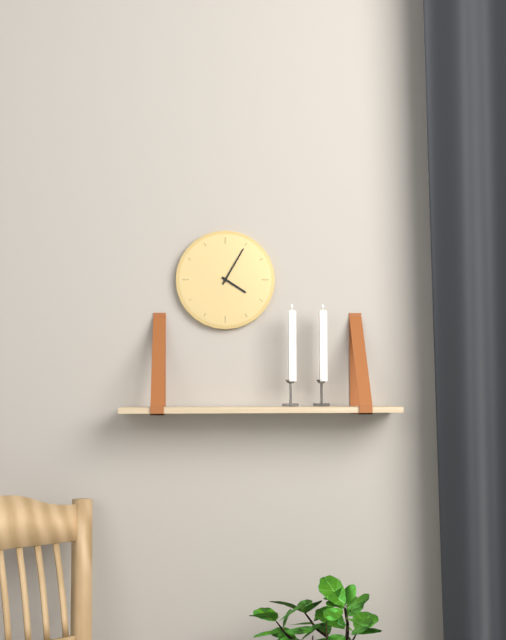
4:05
